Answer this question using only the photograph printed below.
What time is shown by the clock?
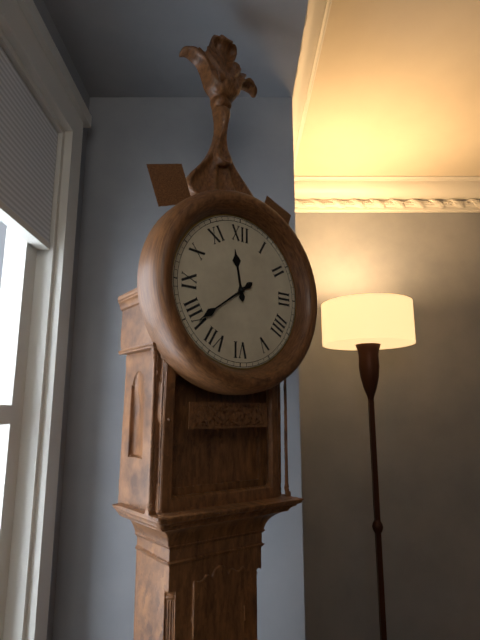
11:39
